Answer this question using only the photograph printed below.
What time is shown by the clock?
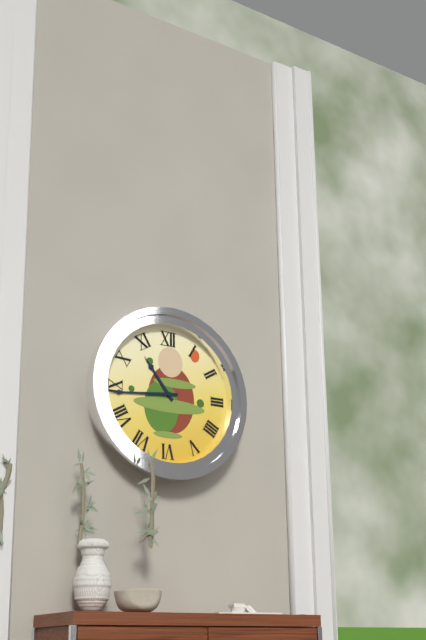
10:44
